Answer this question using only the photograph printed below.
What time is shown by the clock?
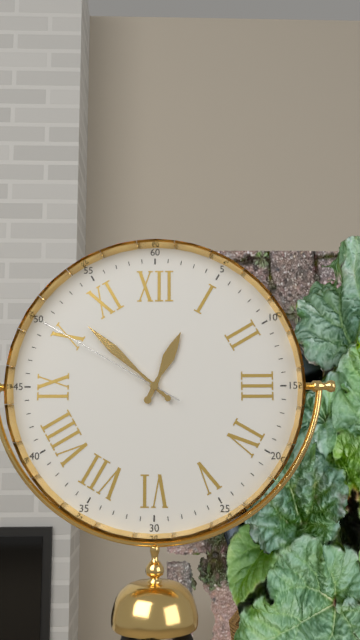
12:52:50
